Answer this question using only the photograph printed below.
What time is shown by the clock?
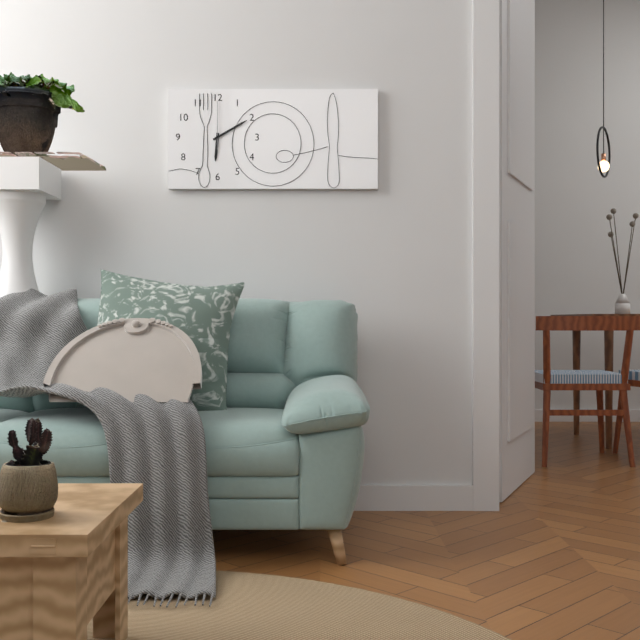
6:10
